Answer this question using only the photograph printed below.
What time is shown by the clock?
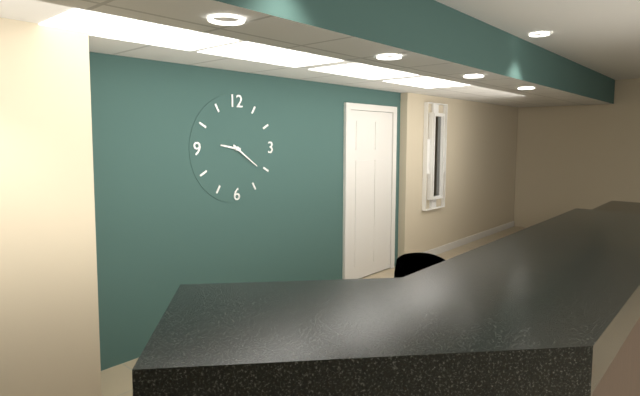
9:21
